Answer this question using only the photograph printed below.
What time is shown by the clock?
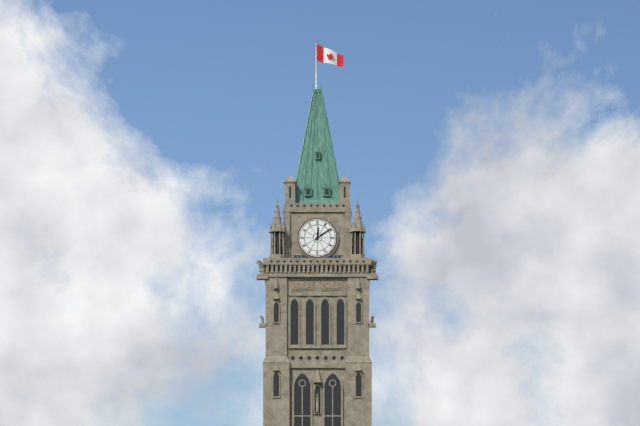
12:09
